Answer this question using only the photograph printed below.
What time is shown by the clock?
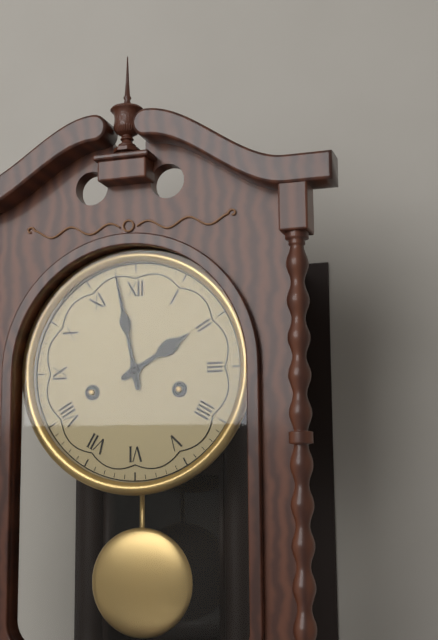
1:58
